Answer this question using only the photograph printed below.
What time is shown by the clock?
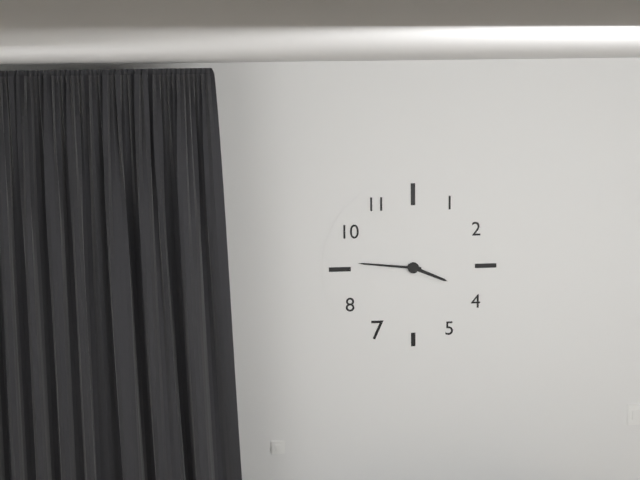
3:46
